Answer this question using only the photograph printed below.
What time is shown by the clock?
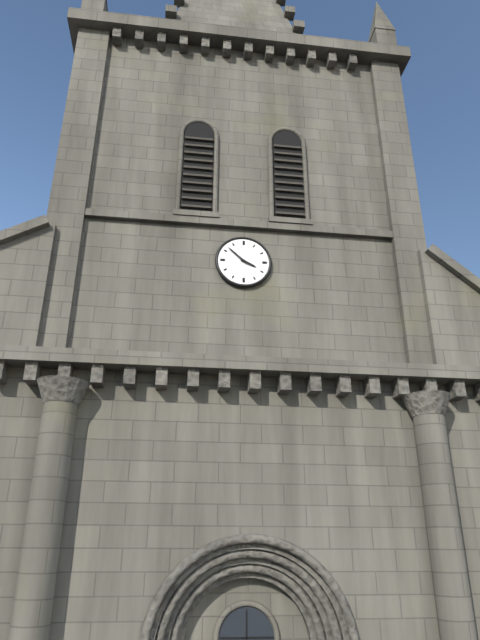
3:52
